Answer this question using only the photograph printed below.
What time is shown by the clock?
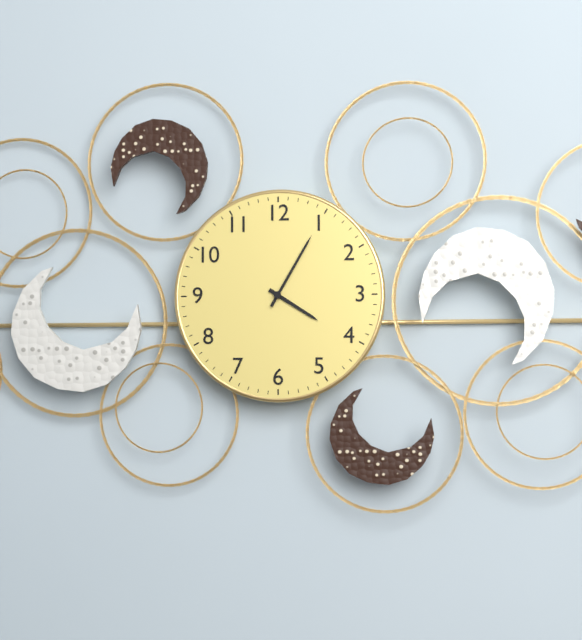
4:05
